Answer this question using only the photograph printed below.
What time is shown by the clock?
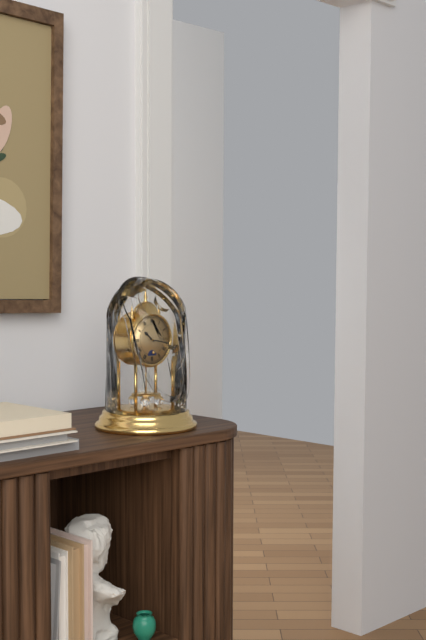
10:17
